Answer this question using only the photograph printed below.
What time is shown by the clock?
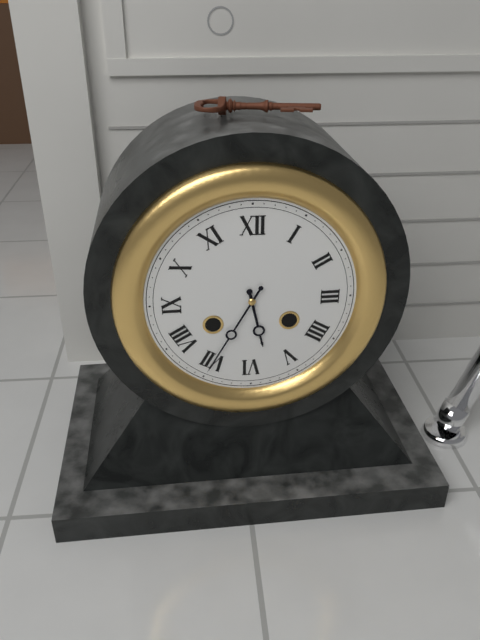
5:35
